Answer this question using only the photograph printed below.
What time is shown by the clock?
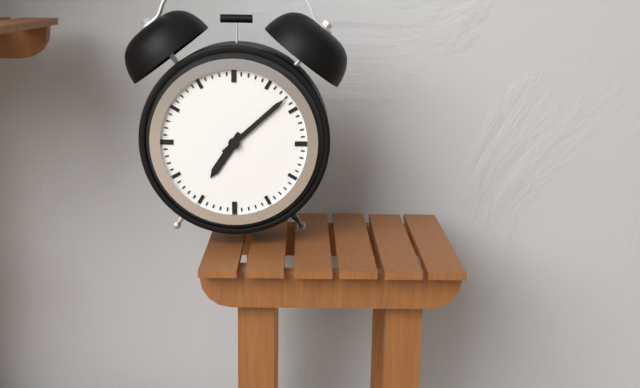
7:08
